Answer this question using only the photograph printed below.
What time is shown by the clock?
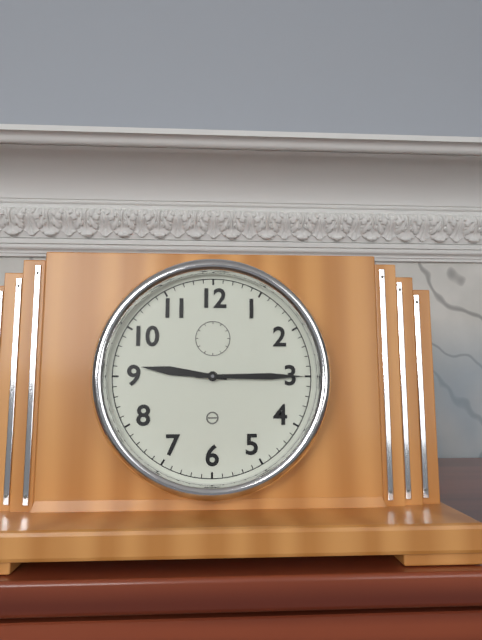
9:15
